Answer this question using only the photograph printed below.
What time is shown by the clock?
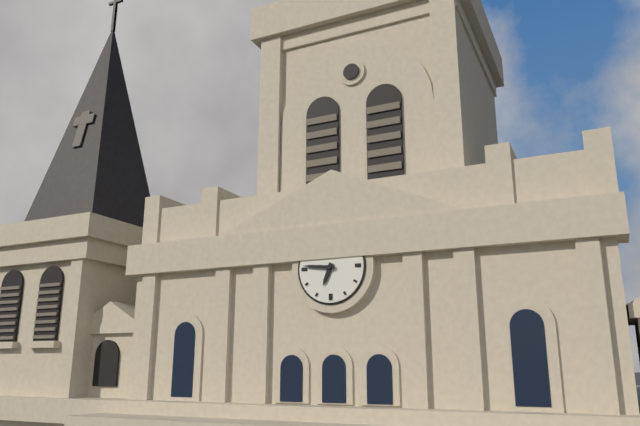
6:46
